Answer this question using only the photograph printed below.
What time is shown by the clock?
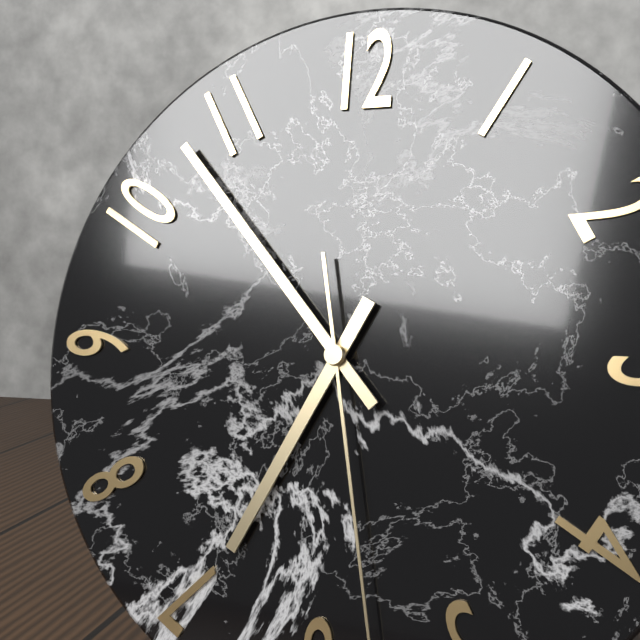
6:53
